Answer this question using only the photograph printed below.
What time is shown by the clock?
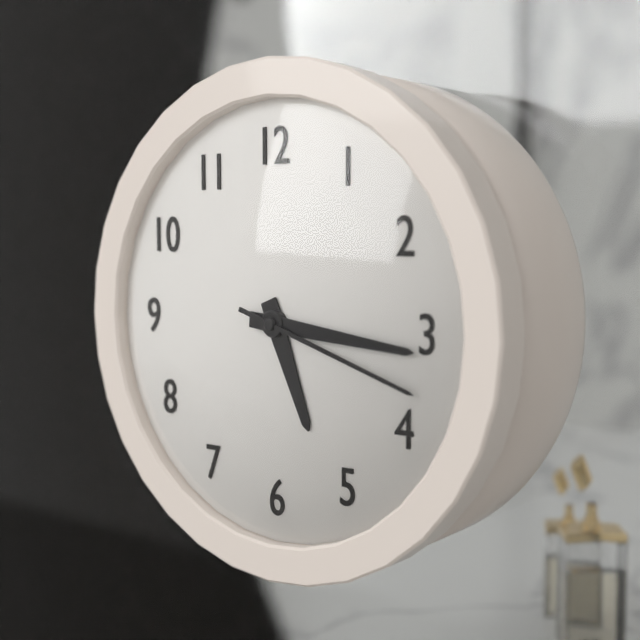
5:16:18
